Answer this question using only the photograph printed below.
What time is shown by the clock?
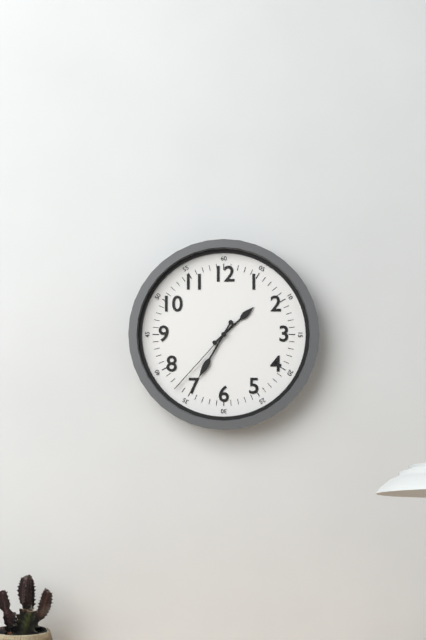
1:35:37
